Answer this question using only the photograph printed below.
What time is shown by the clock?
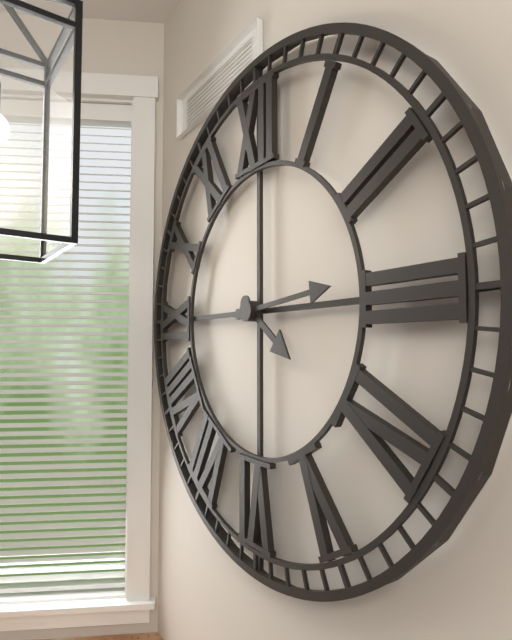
4:14
